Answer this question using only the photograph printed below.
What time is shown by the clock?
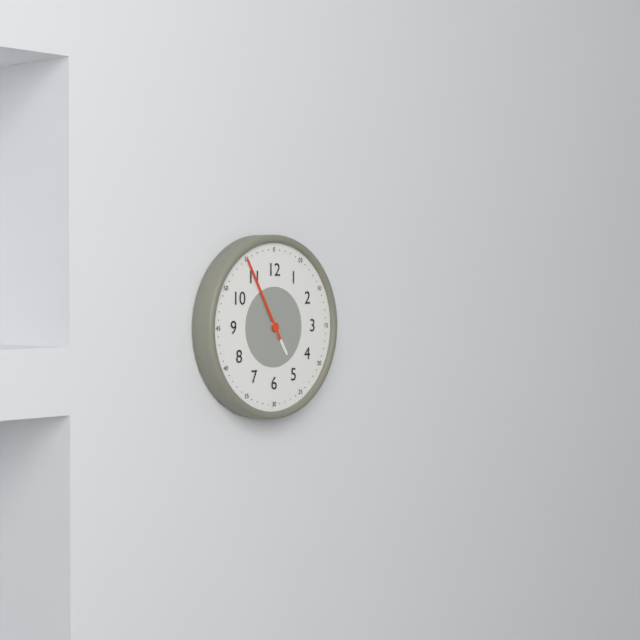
4:55
